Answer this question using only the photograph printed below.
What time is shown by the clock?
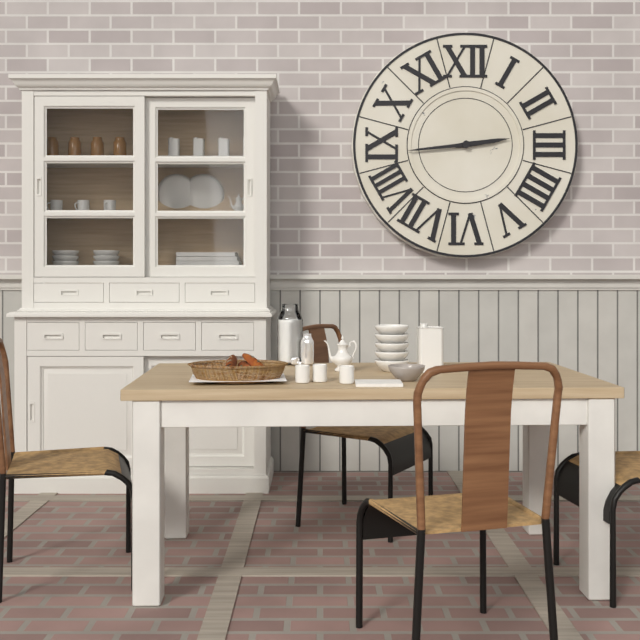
2:44
